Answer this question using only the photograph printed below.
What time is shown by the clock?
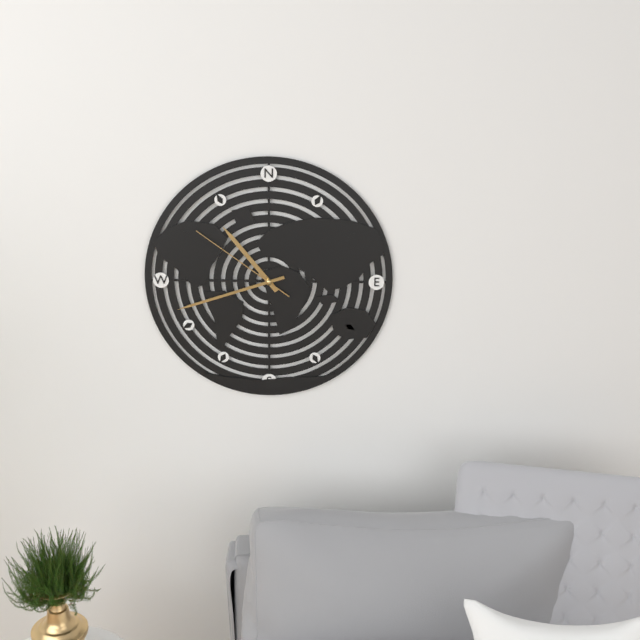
10:42:51
